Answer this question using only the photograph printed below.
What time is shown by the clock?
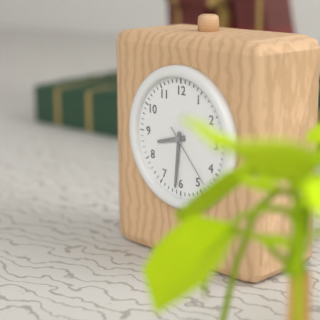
8:31:23
